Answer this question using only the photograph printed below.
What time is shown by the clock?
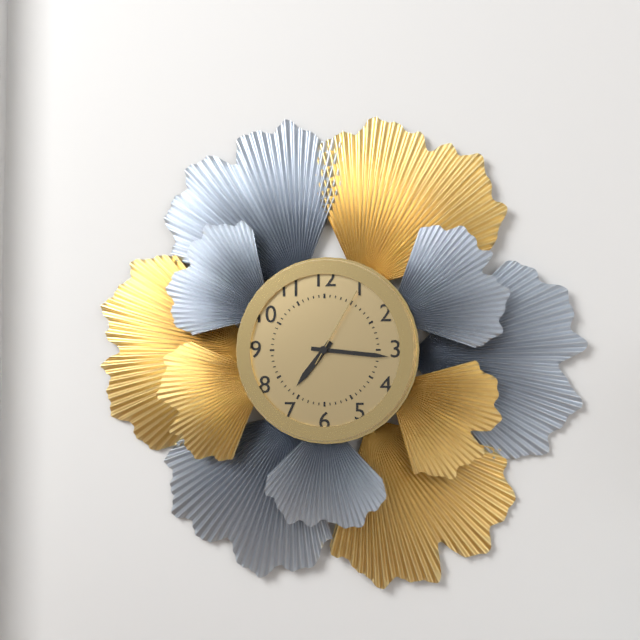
7:16:05
